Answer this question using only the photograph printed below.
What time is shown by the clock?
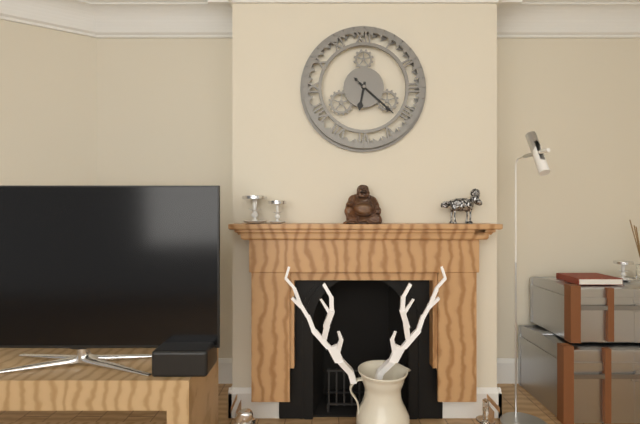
6:22
